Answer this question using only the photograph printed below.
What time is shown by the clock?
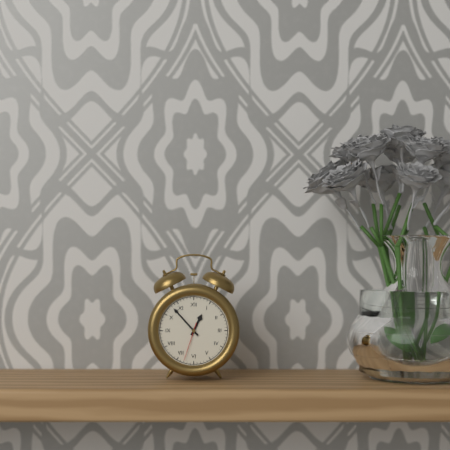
12:53
